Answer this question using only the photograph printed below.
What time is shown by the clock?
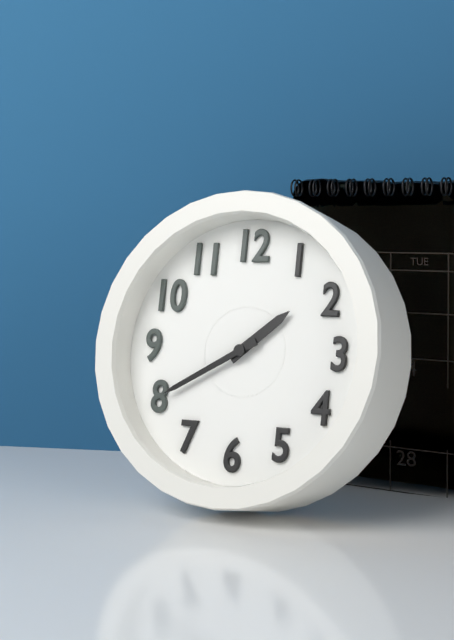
1:40
